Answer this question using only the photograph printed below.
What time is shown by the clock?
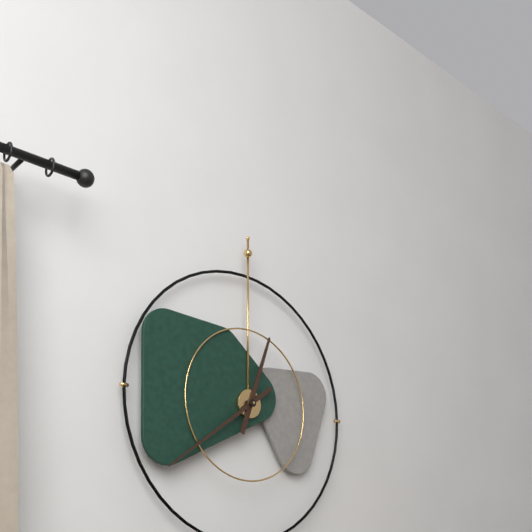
12:39
